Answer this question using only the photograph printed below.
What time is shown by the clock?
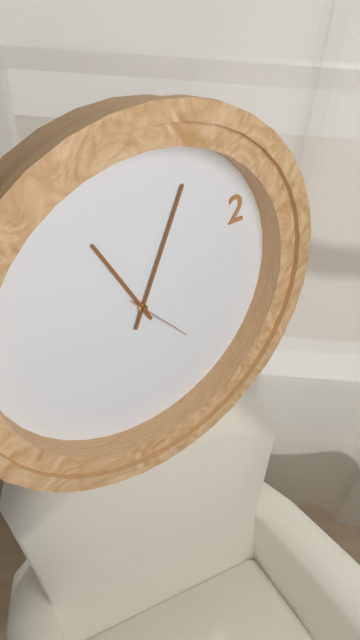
11:04:23
